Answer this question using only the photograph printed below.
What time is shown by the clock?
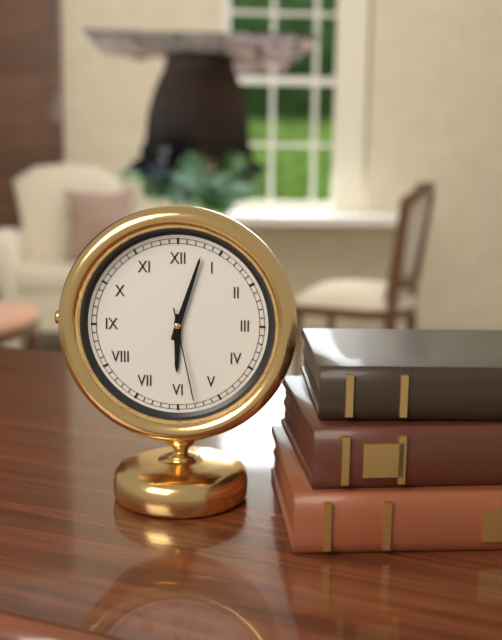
6:03:28
